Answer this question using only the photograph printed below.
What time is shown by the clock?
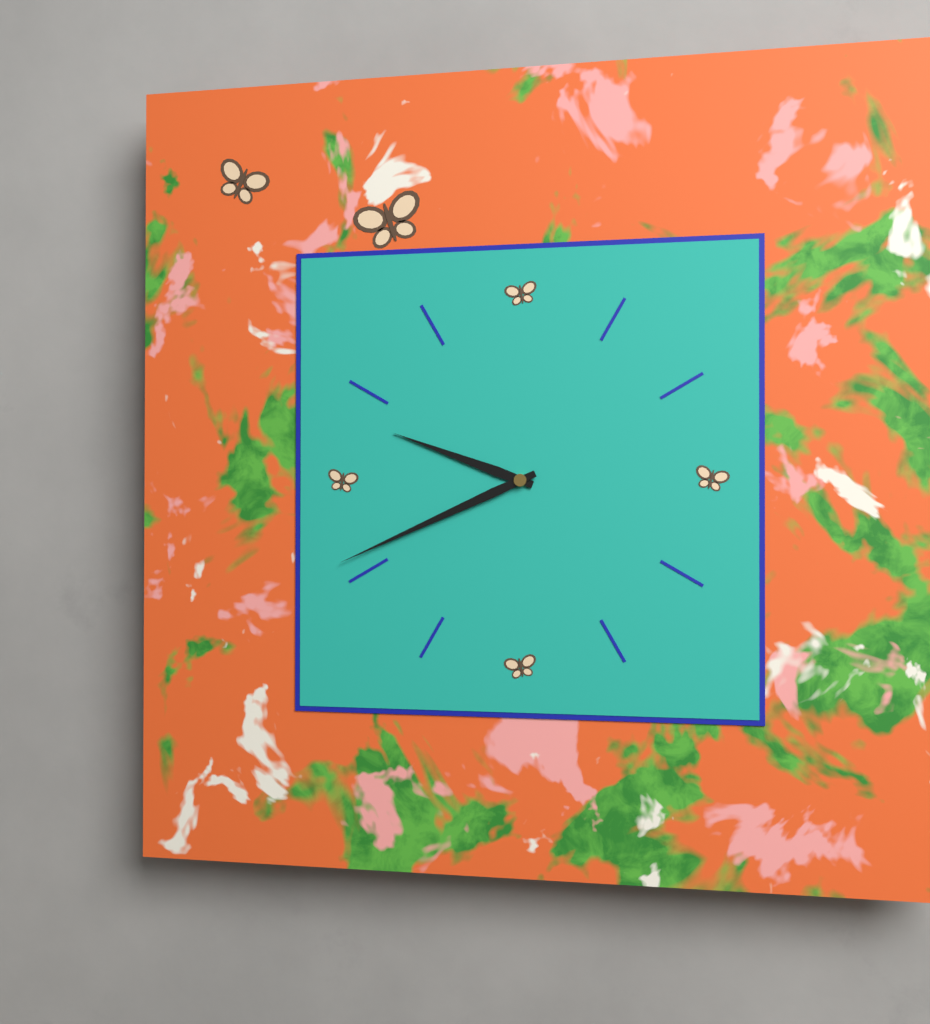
9:41
